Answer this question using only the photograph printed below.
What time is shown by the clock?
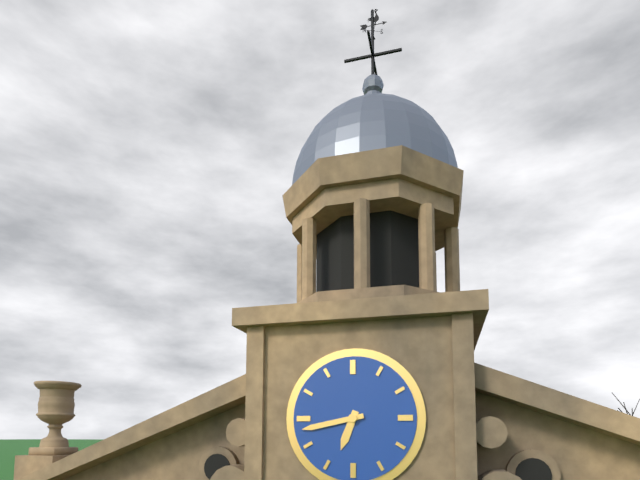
6:43
